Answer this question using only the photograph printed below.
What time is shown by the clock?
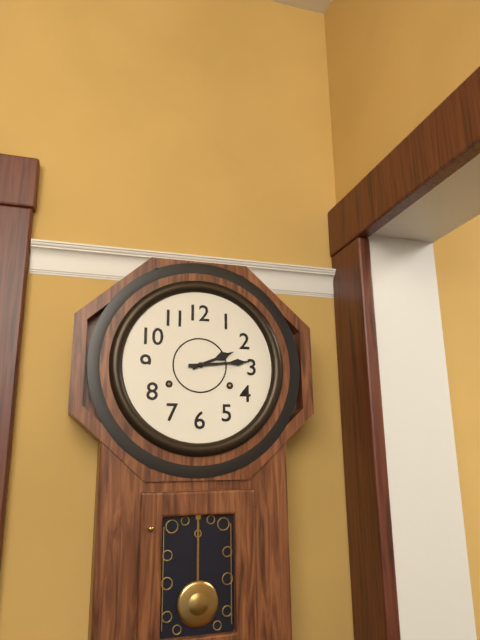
2:14
